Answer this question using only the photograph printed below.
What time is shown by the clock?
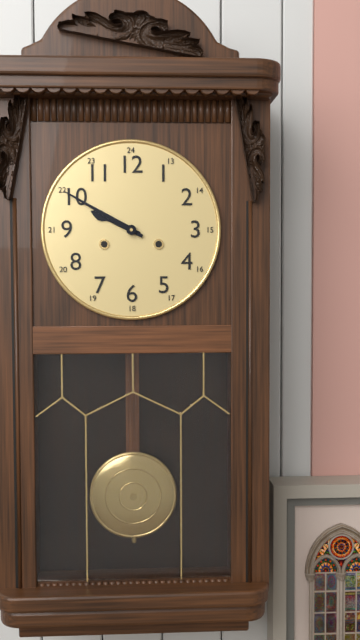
9:50
